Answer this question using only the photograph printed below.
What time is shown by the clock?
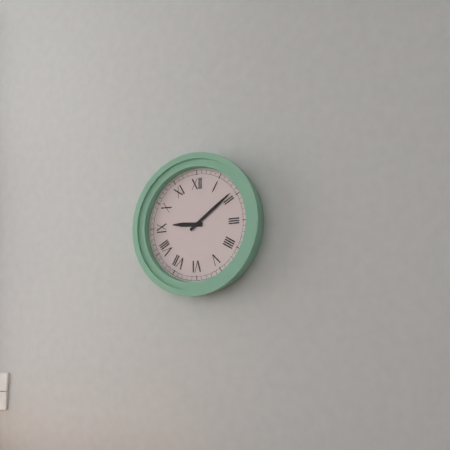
9:09
